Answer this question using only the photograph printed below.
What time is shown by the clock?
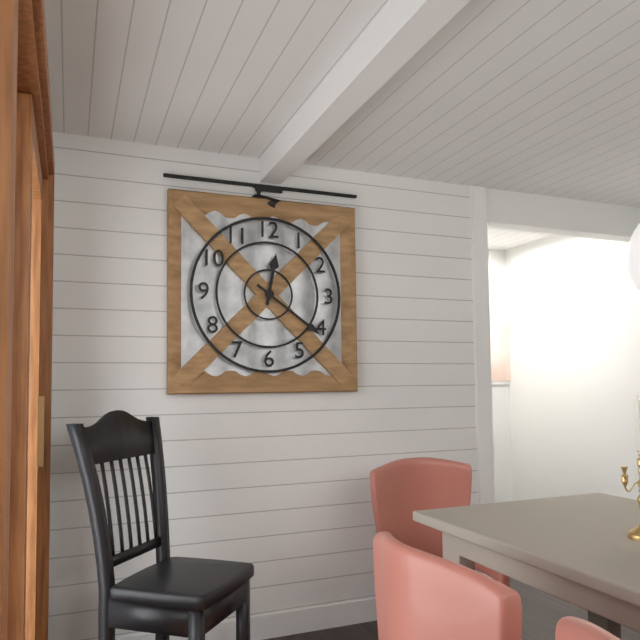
12:21
